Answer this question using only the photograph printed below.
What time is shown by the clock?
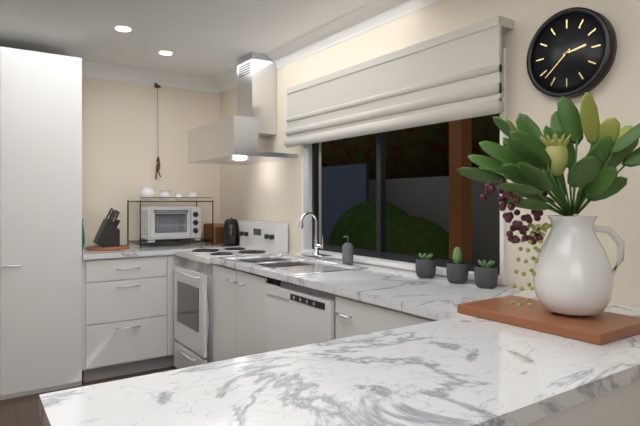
2:38
